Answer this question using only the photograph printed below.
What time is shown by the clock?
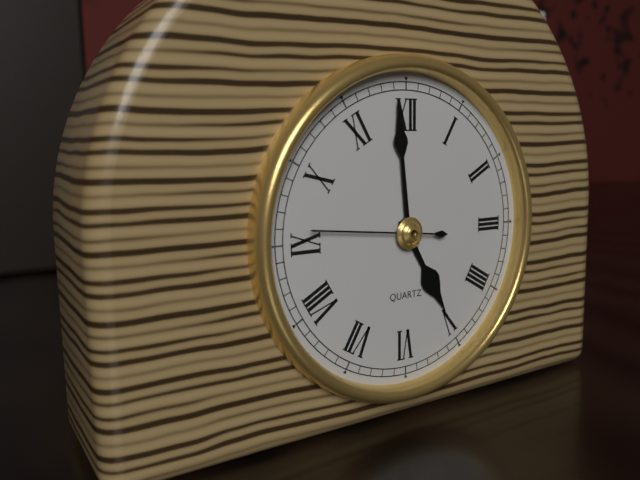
4:59:46
